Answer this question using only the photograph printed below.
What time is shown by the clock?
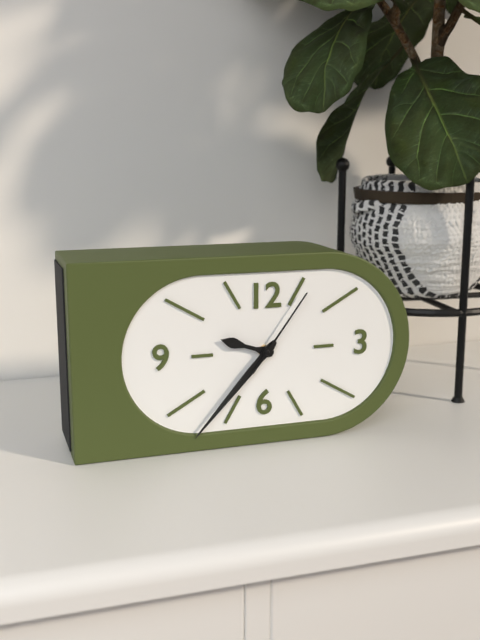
9:37:06
